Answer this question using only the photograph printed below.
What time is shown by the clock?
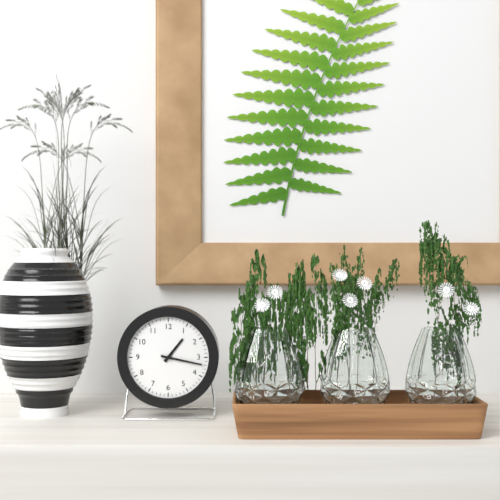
1:17
